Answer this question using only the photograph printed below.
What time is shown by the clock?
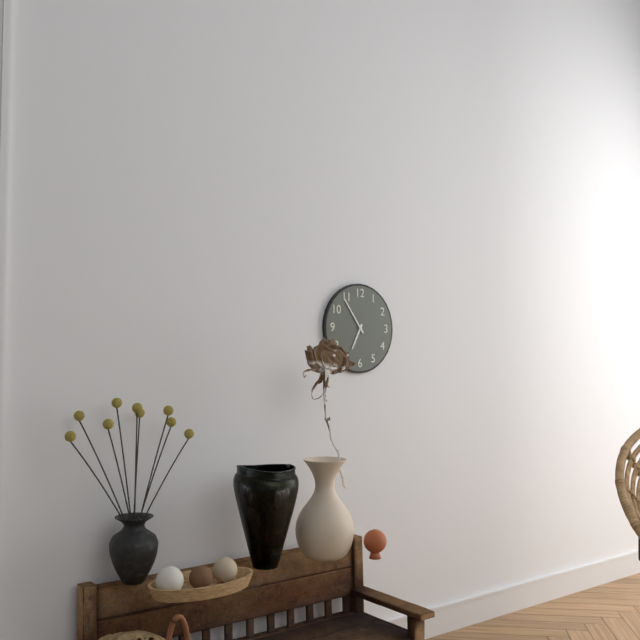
6:54
